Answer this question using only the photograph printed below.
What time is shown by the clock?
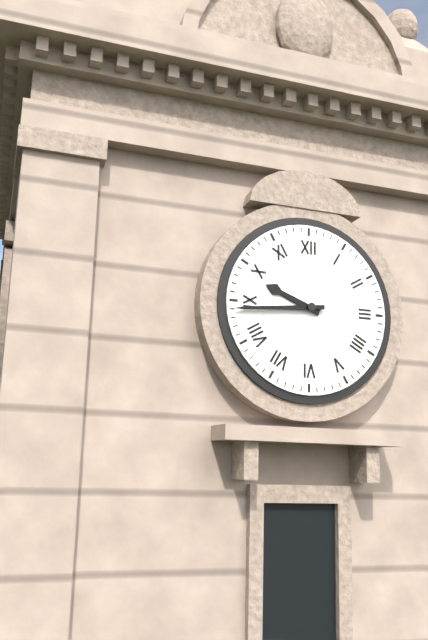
9:44
